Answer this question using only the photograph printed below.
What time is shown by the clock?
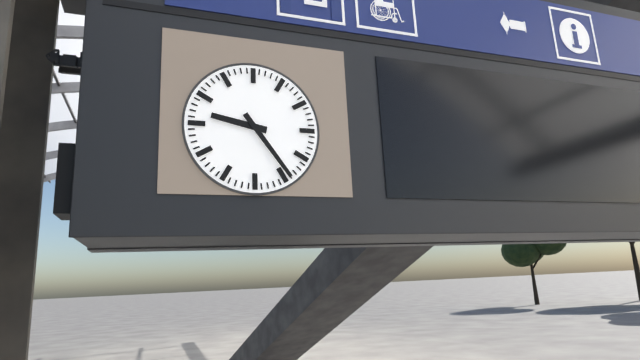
9:24
